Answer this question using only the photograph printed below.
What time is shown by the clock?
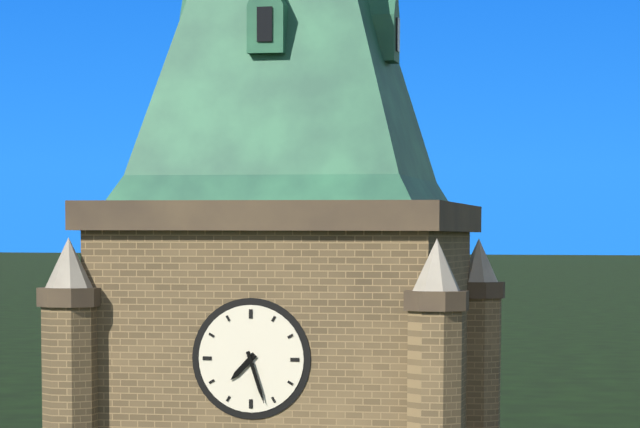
7:27
